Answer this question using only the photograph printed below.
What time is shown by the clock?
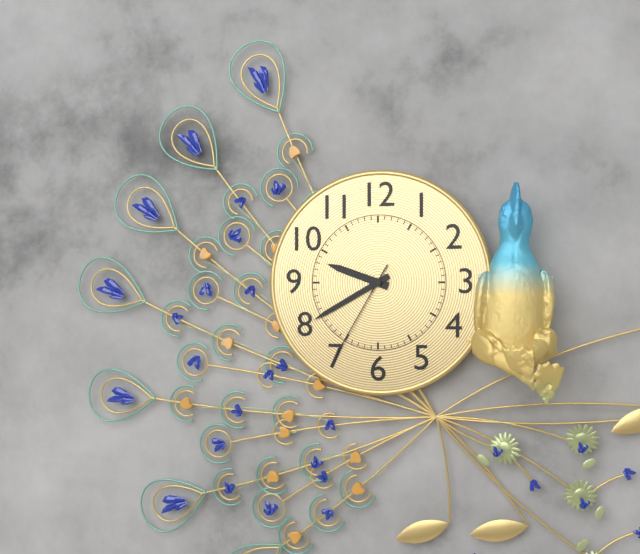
9:40:35
